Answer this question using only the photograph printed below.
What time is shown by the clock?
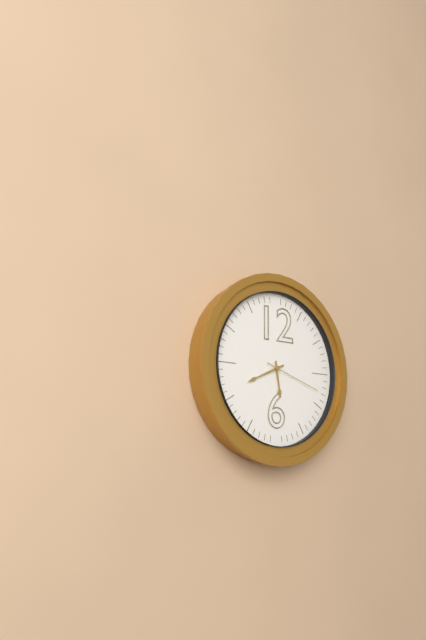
5:41:18
